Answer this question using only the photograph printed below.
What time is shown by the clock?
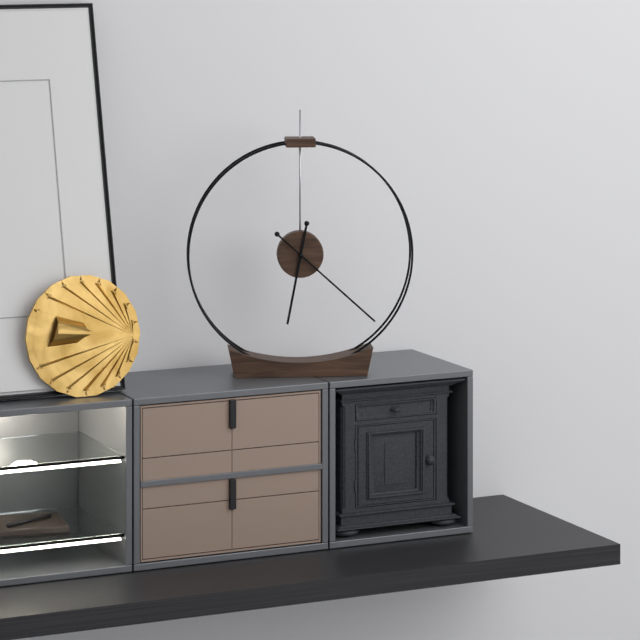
6:22
